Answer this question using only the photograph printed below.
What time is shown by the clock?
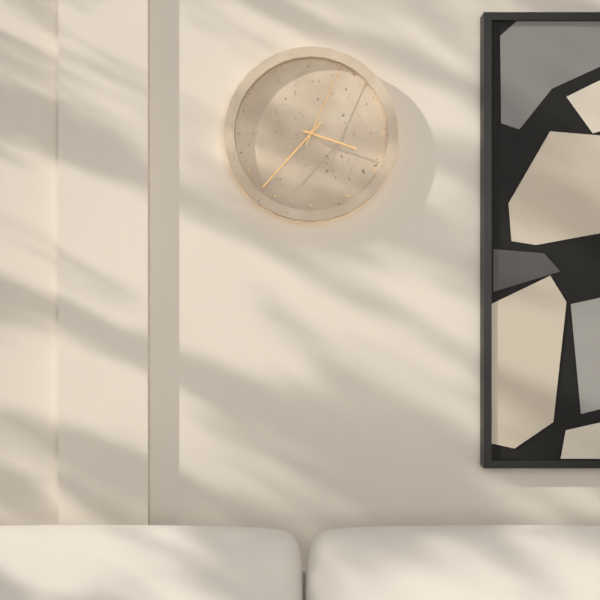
3:37:04
